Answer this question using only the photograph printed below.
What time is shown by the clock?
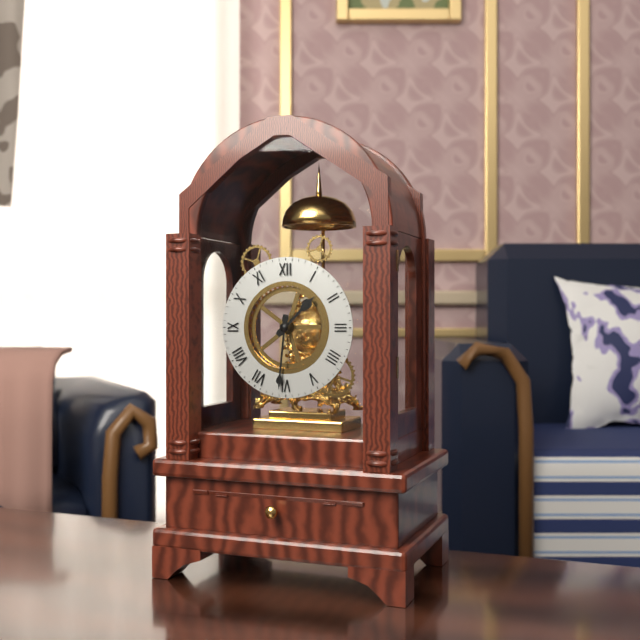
1:31
